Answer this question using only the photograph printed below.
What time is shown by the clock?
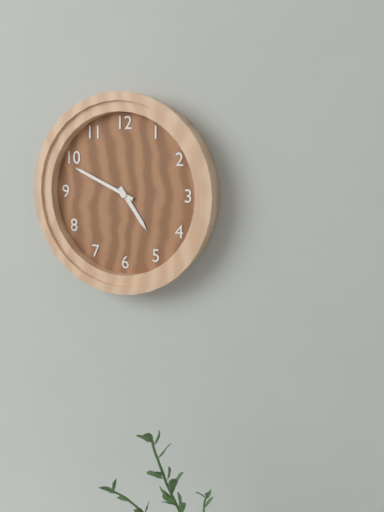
4:49
